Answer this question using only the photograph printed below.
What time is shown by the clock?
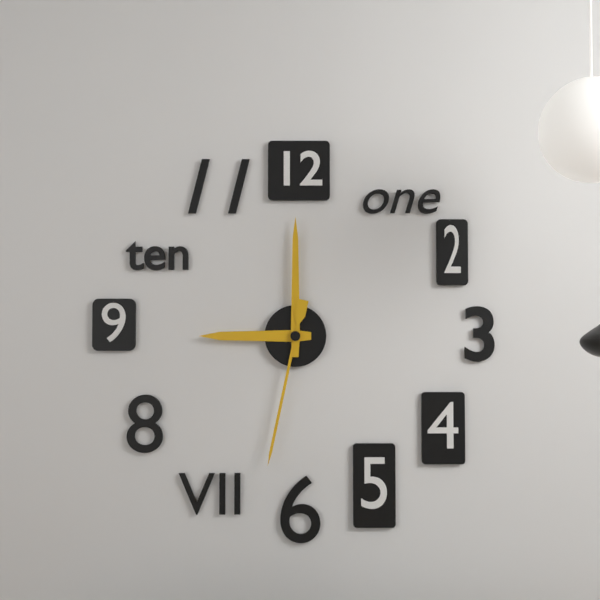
9:00:32
